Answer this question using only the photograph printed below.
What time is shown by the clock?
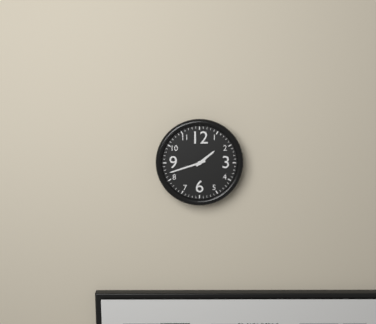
1:42
